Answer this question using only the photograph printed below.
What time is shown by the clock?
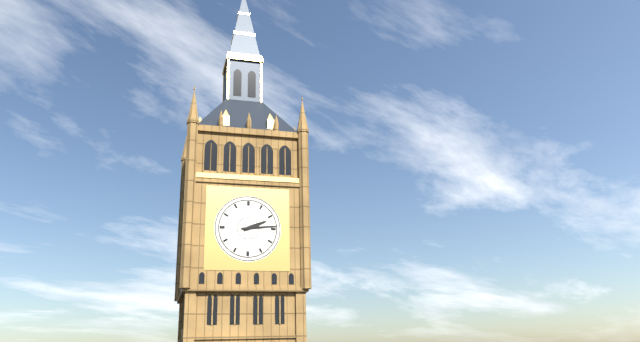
2:14
